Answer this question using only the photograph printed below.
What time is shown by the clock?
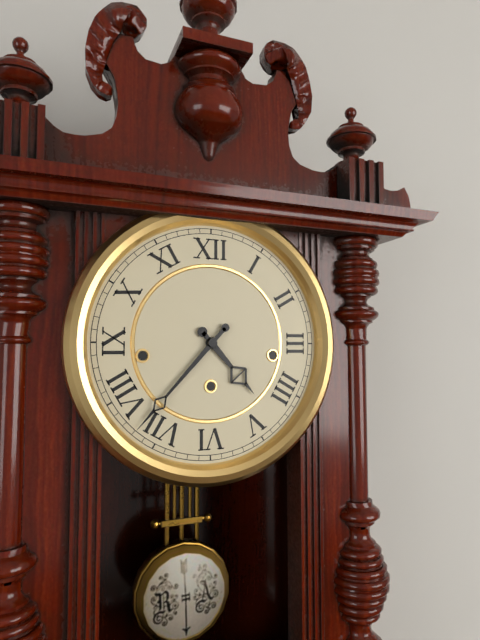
4:37
